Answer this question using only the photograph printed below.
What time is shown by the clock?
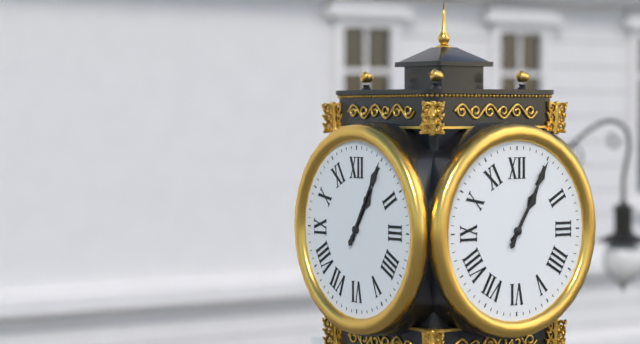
1:05
